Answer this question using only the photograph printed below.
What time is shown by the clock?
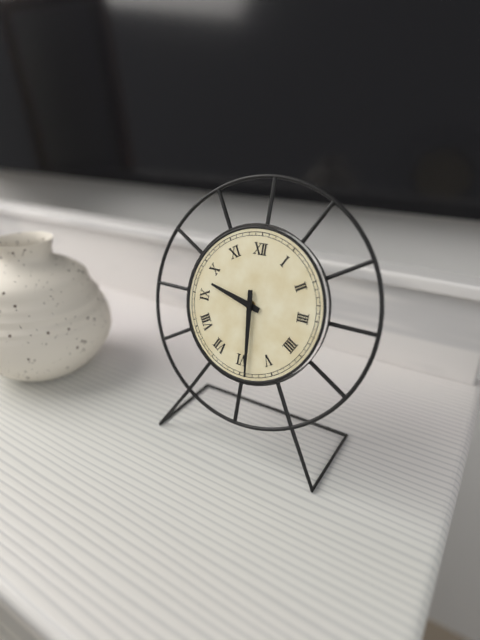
9:29
